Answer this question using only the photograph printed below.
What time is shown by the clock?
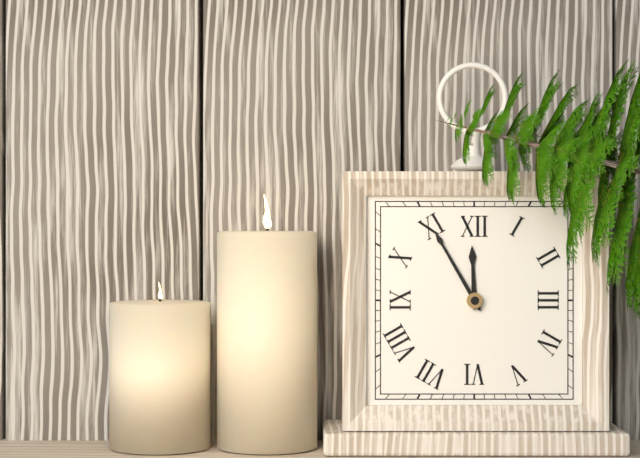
11:55
